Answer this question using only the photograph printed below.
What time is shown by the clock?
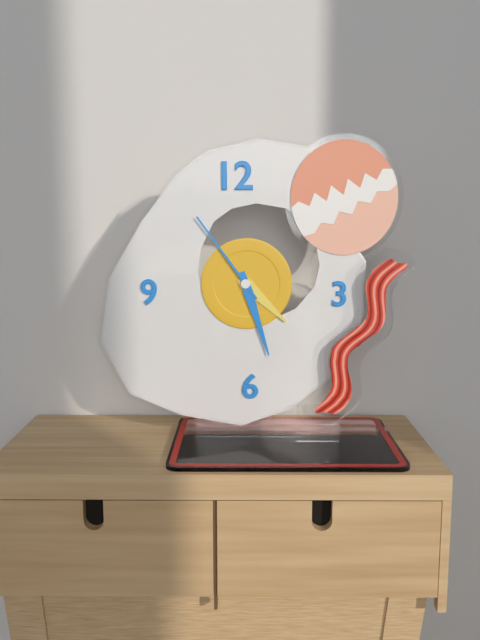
4:27:54
